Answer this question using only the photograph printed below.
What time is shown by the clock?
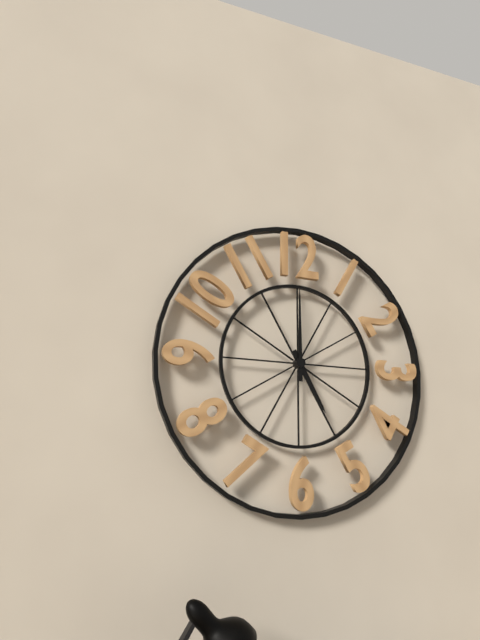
5:00
